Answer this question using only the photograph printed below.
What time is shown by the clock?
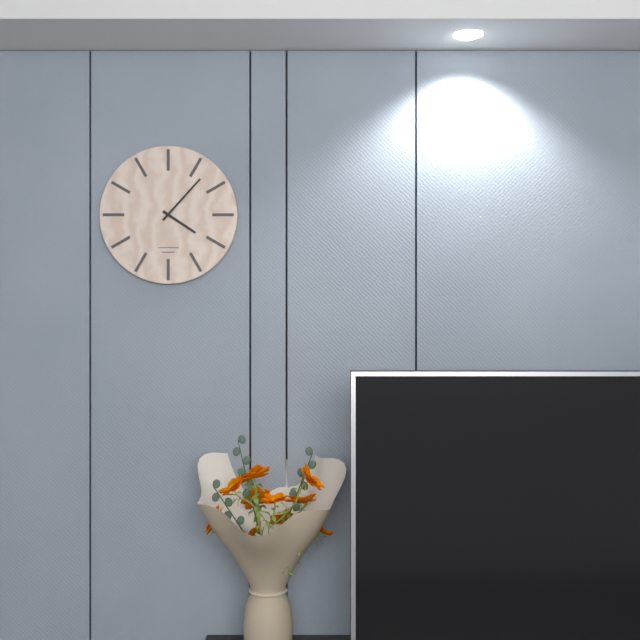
4:07
